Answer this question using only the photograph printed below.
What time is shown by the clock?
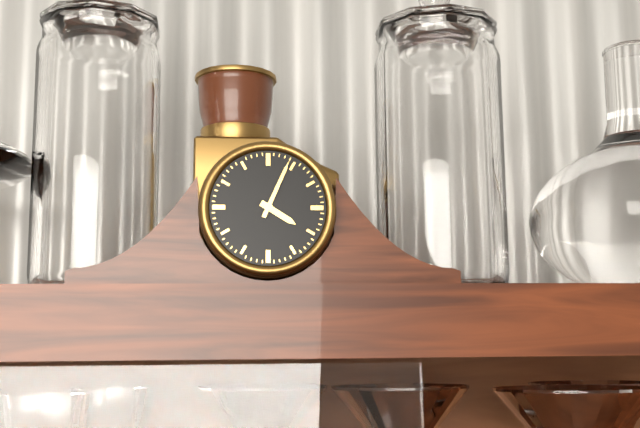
4:04
